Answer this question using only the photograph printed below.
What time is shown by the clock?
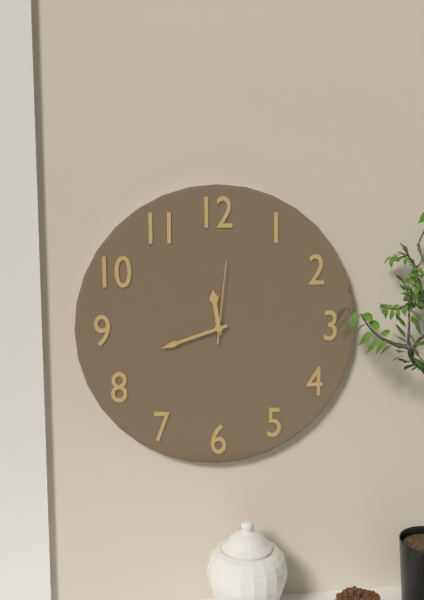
11:42:01
